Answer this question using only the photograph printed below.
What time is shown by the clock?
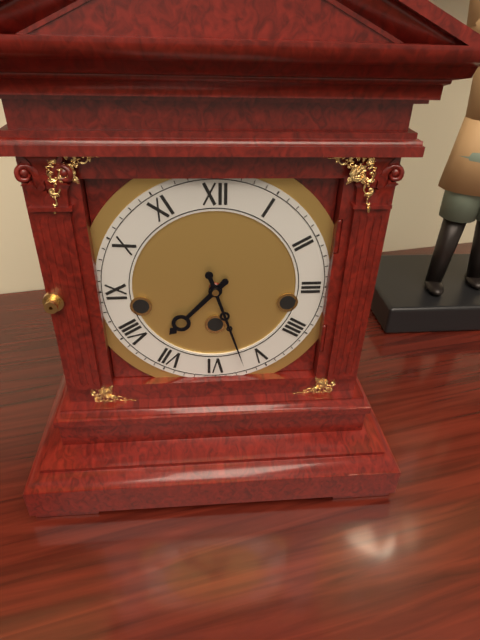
7:27
